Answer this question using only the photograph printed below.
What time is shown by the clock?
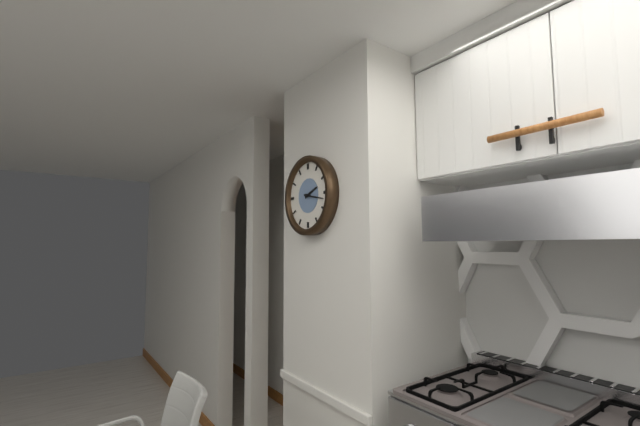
2:17
